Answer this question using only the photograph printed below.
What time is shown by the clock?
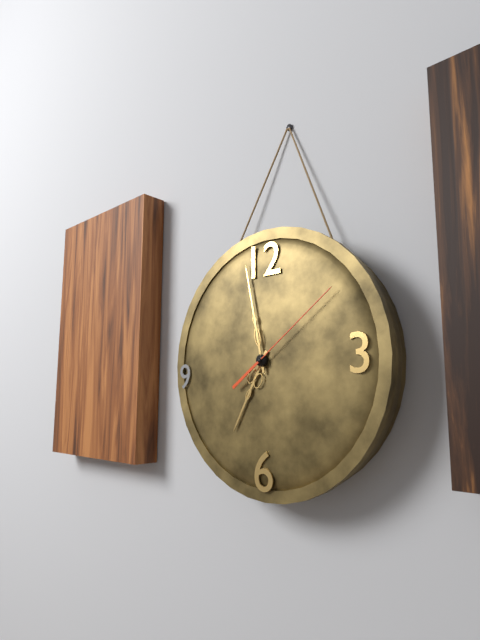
6:58:09
